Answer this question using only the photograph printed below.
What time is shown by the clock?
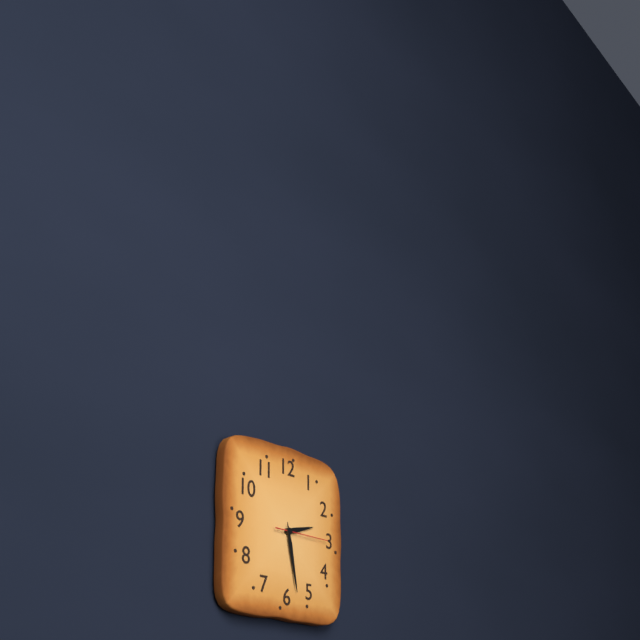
2:28
